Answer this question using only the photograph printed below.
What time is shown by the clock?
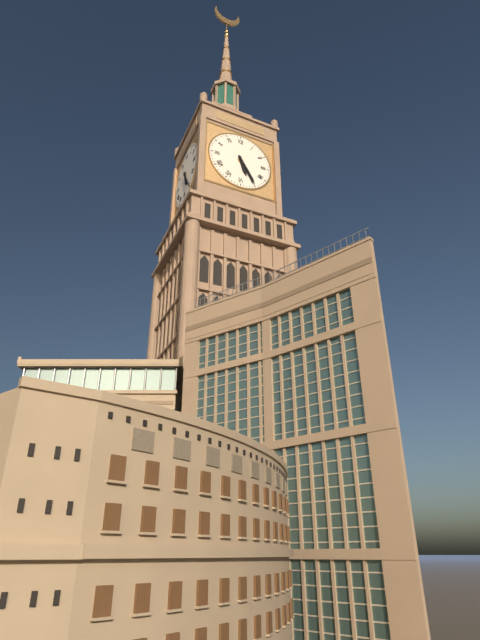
5:25
